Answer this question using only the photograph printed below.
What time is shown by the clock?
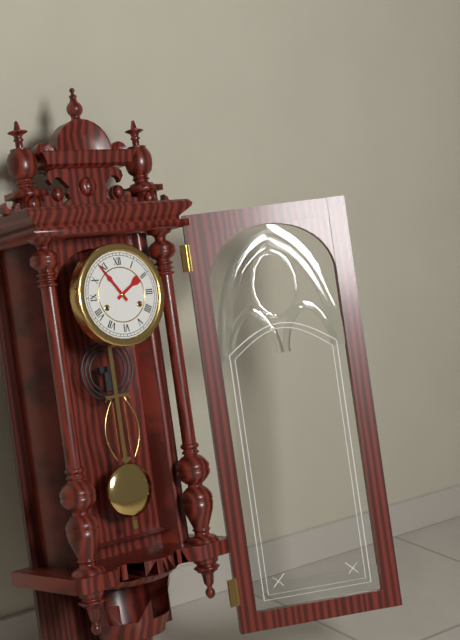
1:54
